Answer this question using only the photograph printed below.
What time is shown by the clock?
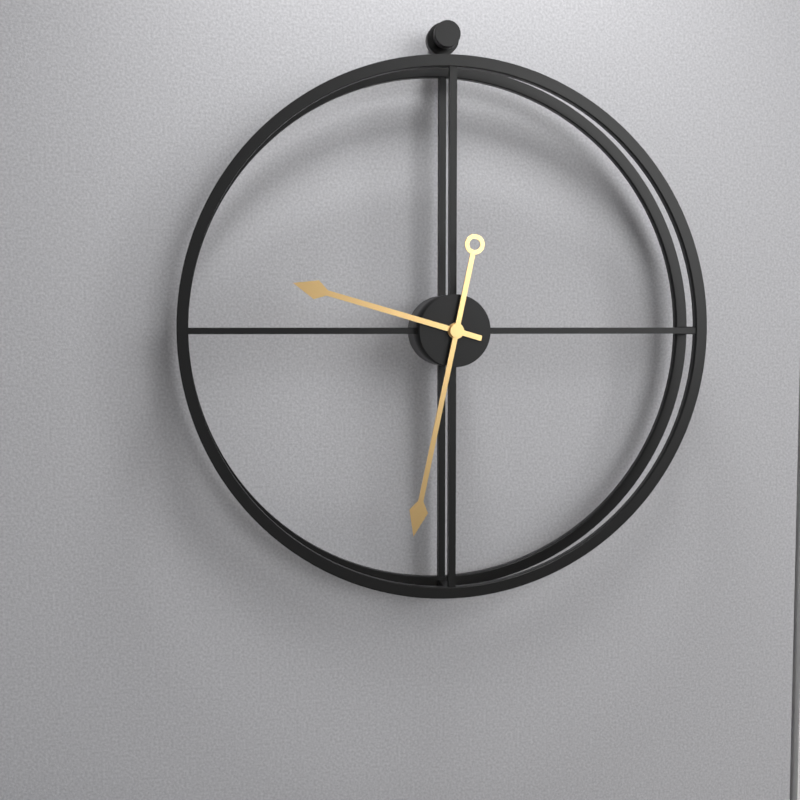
9:32
